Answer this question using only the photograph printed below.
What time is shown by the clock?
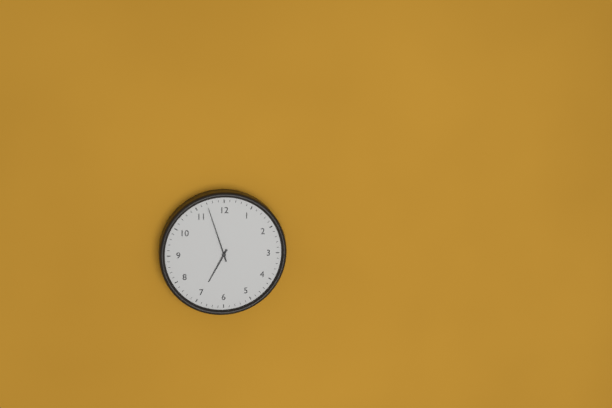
6:57
